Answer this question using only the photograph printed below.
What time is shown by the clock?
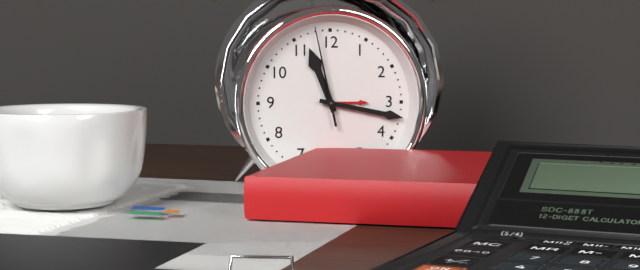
11:17:58
